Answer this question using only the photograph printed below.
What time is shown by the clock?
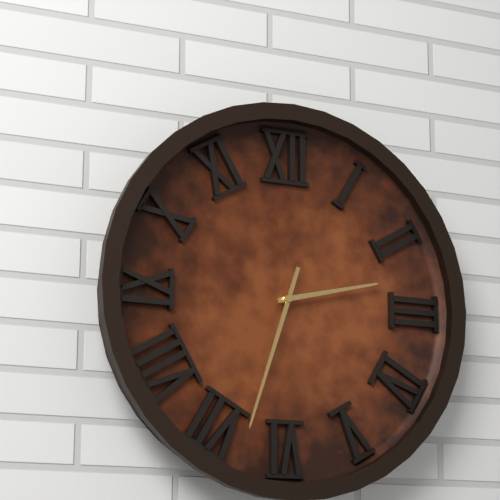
2:33
